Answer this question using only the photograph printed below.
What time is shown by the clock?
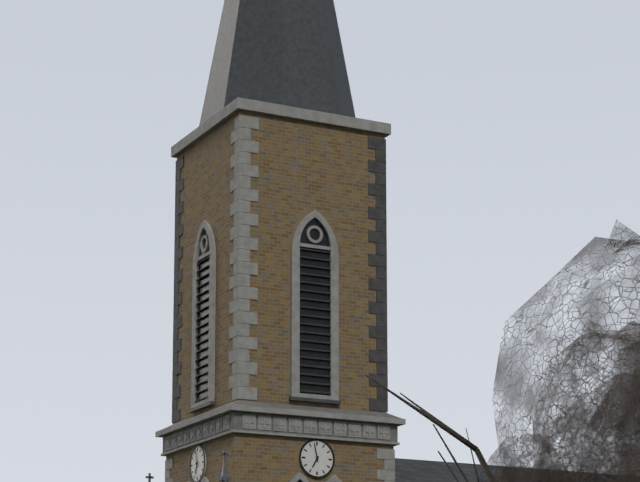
6:58
